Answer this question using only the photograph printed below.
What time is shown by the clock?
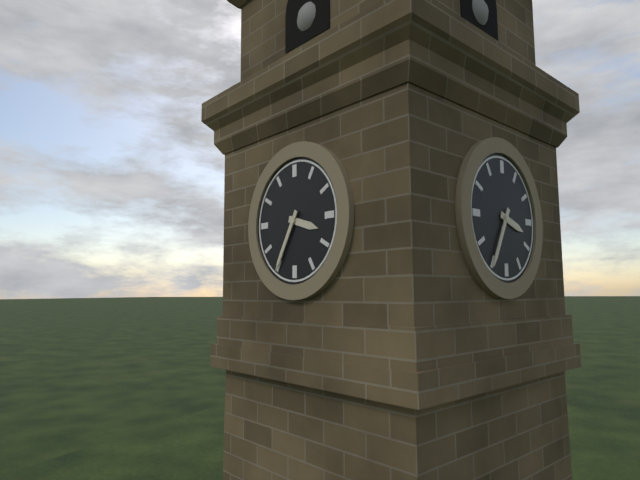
3:35
